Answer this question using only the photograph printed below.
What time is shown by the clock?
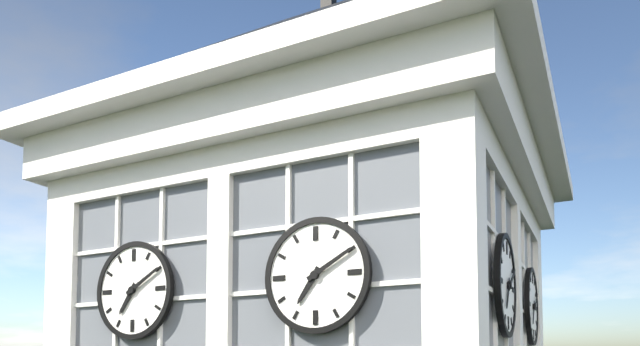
7:10
